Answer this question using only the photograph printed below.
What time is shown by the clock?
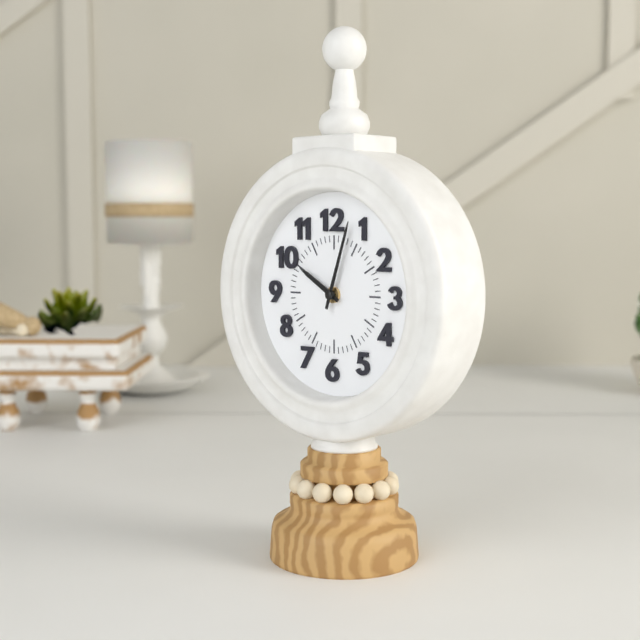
10:03
